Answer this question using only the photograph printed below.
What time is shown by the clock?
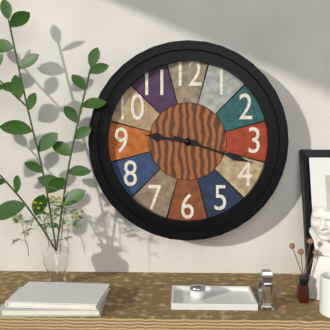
9:18
